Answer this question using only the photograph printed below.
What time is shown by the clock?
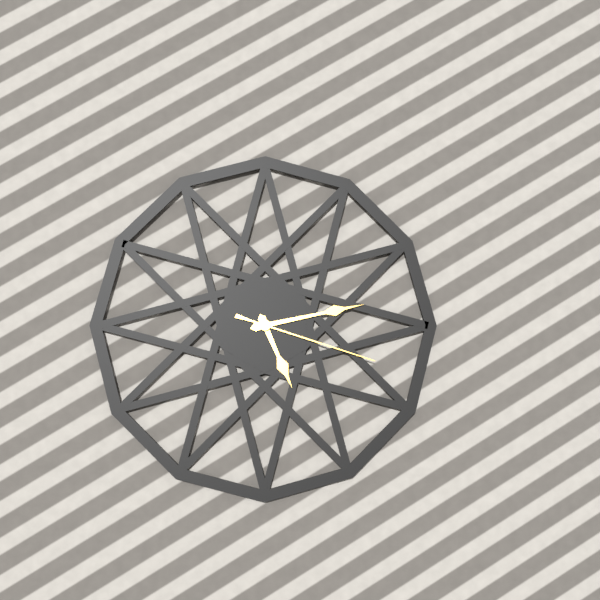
5:13:18
